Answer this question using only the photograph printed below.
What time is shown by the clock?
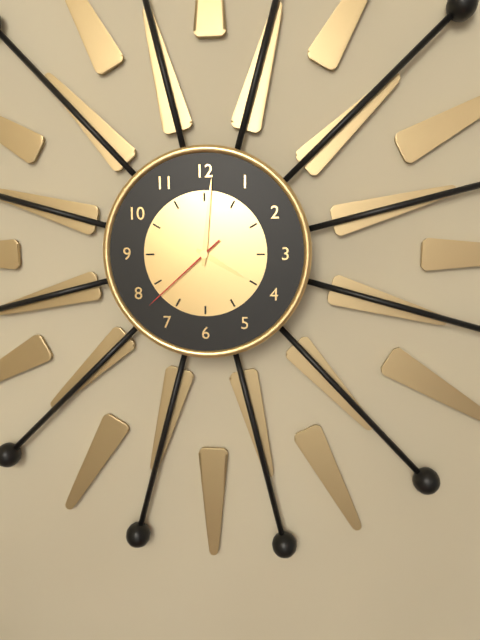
4:01:38
